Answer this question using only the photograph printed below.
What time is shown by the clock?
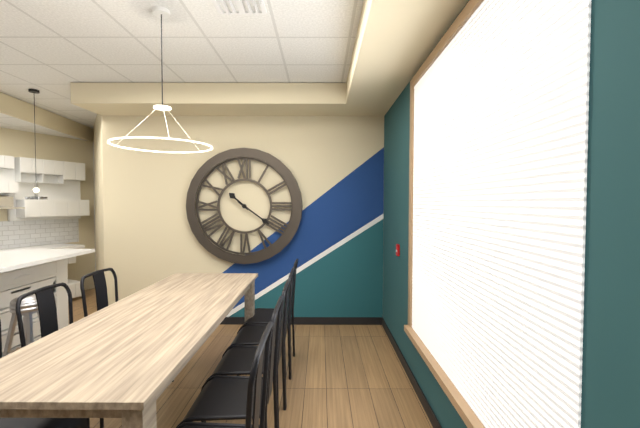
10:21
